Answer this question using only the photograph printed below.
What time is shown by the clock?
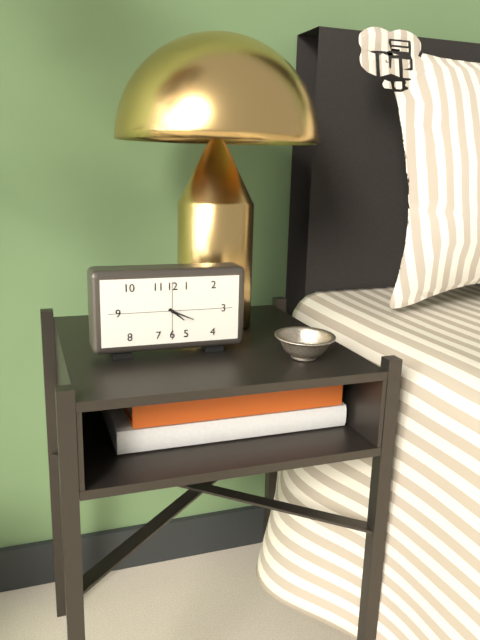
4:19
